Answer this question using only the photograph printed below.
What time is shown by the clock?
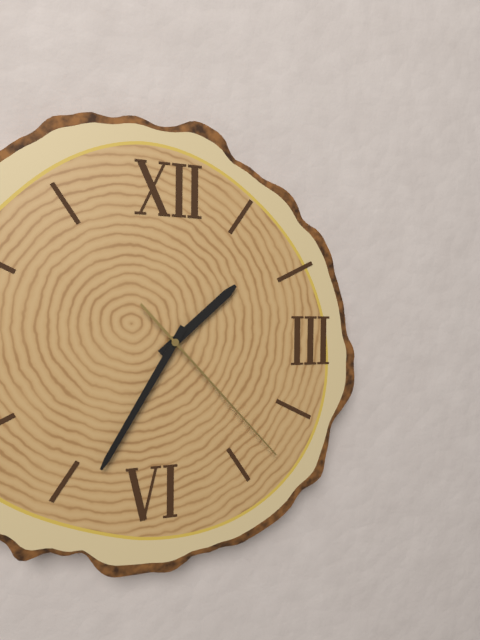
1:35:23
